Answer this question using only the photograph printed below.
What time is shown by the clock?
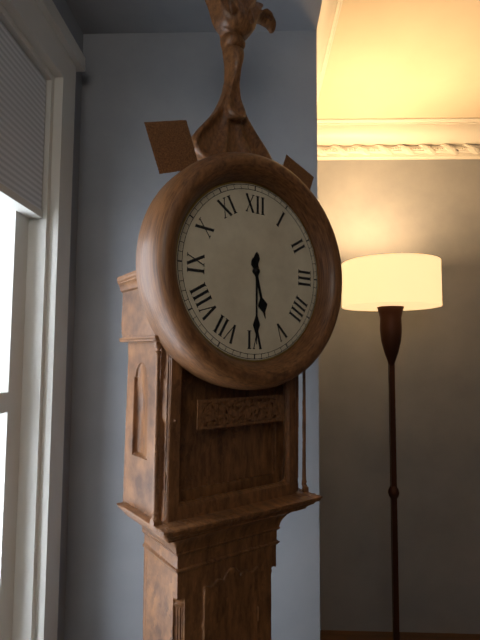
5:30
